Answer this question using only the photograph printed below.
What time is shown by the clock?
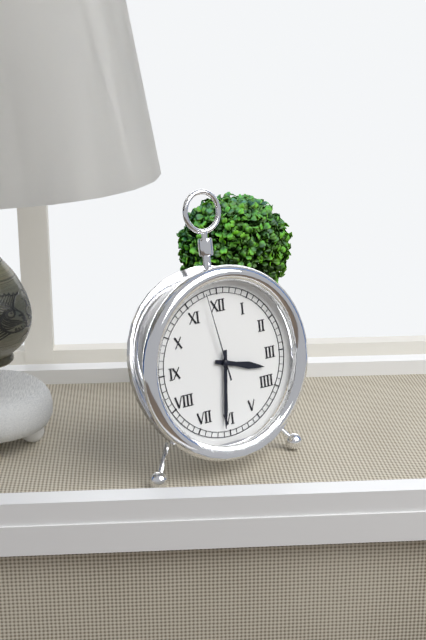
3:31:58
